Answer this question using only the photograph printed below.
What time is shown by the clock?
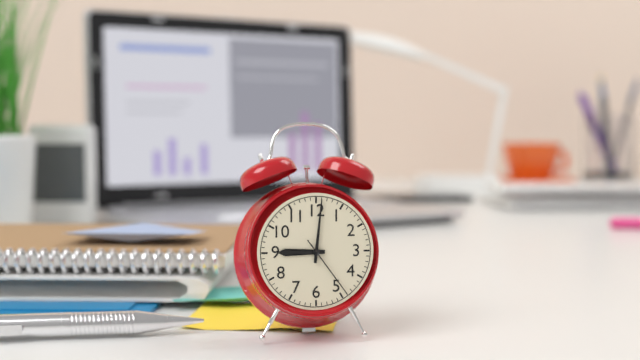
9:01:24
